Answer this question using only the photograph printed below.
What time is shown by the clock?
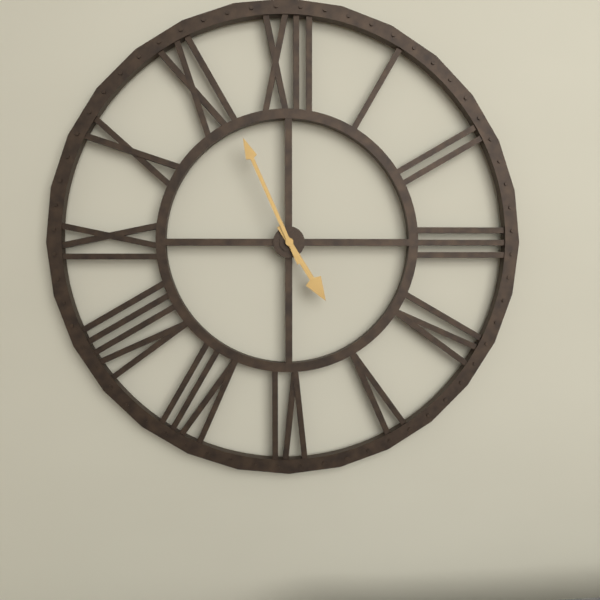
4:56
